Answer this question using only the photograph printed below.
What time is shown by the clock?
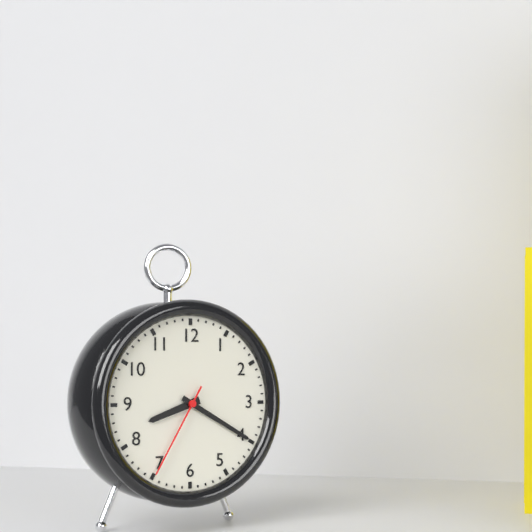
8:20:35
